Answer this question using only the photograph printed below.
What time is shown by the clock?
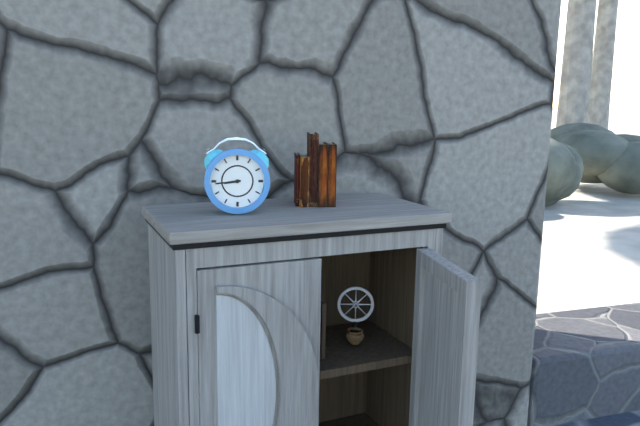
8:44
